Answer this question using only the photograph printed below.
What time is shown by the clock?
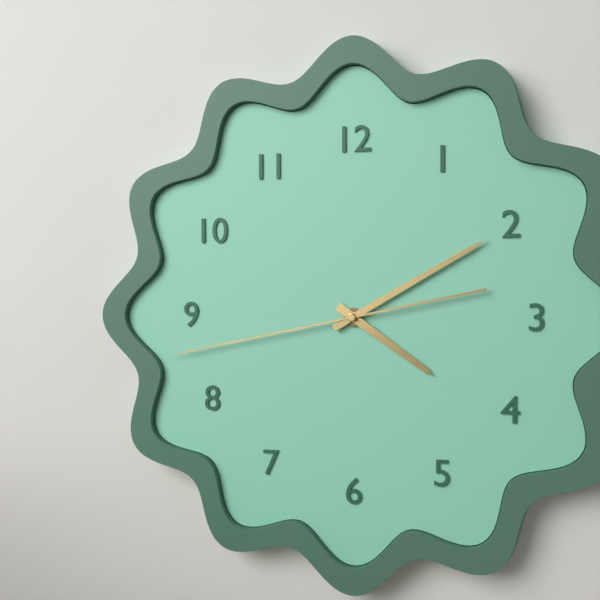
4:10:43
